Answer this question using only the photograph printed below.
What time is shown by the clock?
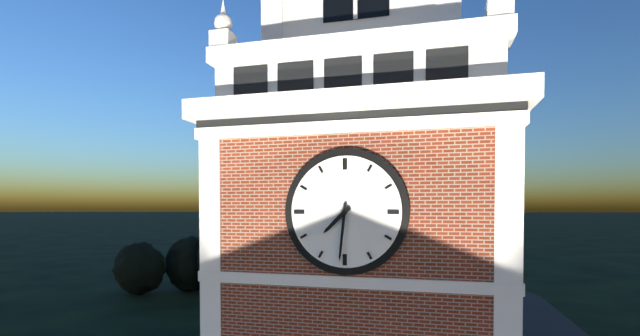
7:31
